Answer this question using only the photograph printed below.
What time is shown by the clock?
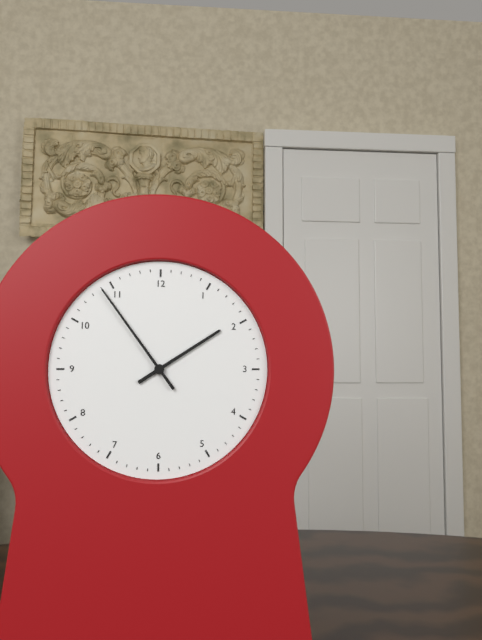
1:54
